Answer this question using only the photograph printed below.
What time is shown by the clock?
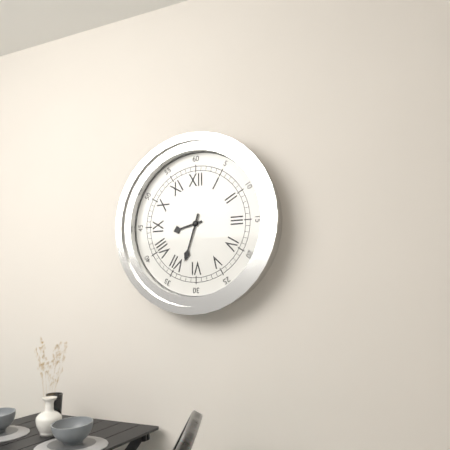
8:33
